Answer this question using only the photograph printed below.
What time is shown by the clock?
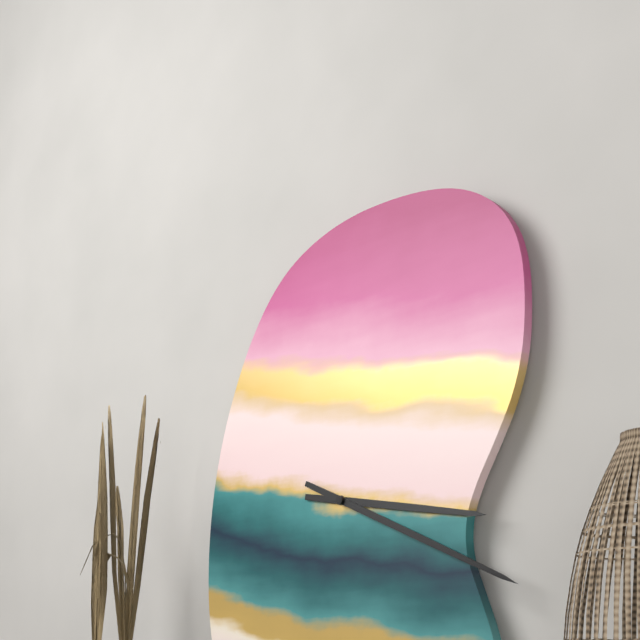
3:19
